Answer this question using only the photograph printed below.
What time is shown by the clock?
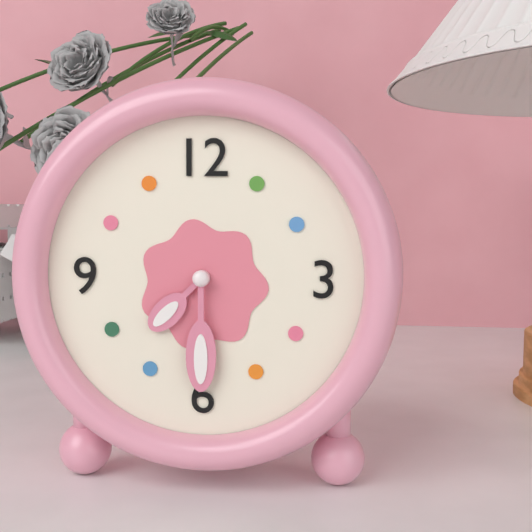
7:30
